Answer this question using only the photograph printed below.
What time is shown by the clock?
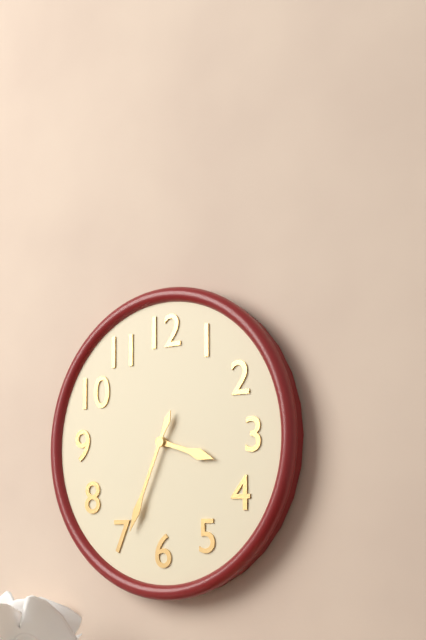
3:34
